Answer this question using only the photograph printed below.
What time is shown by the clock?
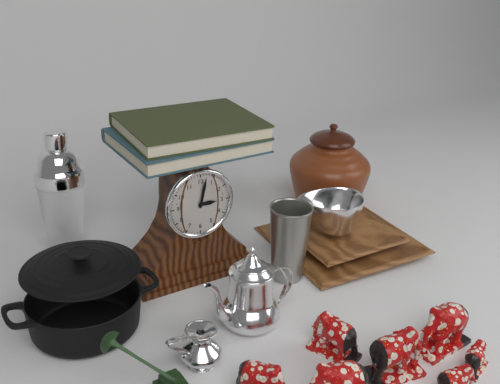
3:02
